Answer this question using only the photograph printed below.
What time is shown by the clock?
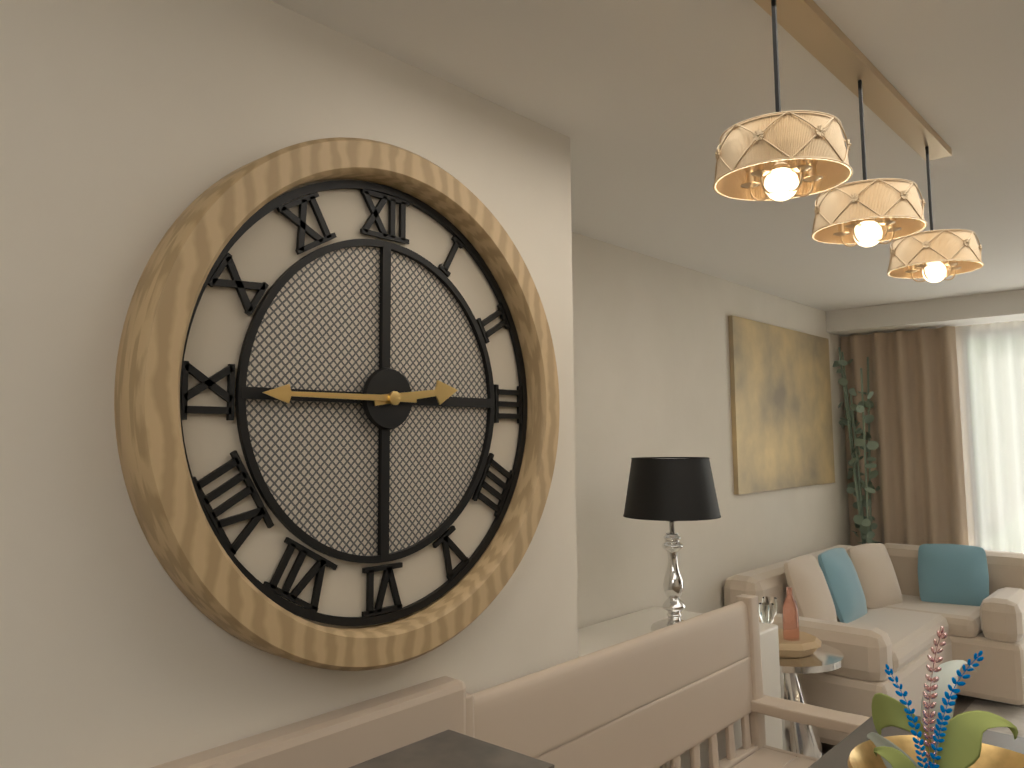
2:45
